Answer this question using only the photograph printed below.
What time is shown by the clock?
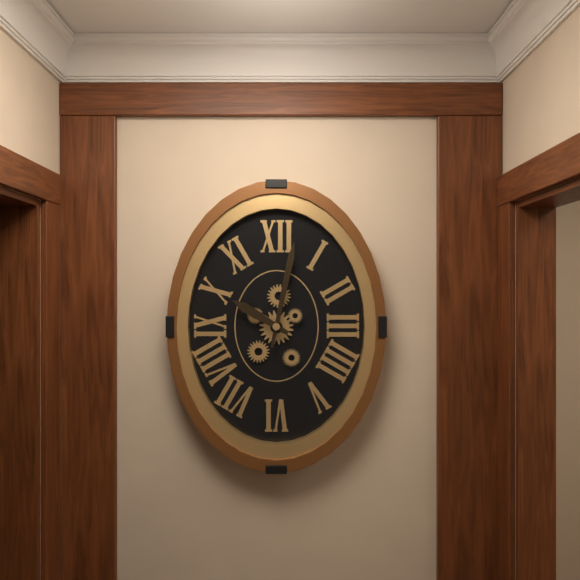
10:02
